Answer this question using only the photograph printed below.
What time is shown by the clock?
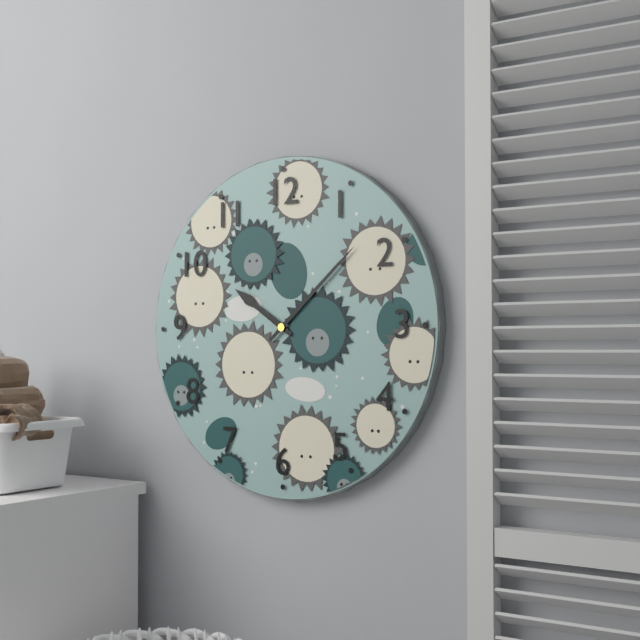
10:08
